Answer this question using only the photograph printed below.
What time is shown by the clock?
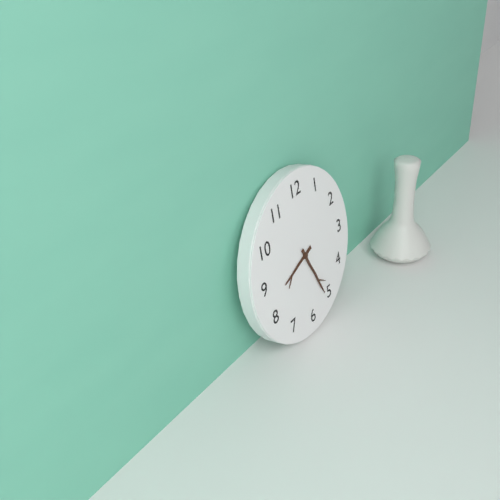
8:26
